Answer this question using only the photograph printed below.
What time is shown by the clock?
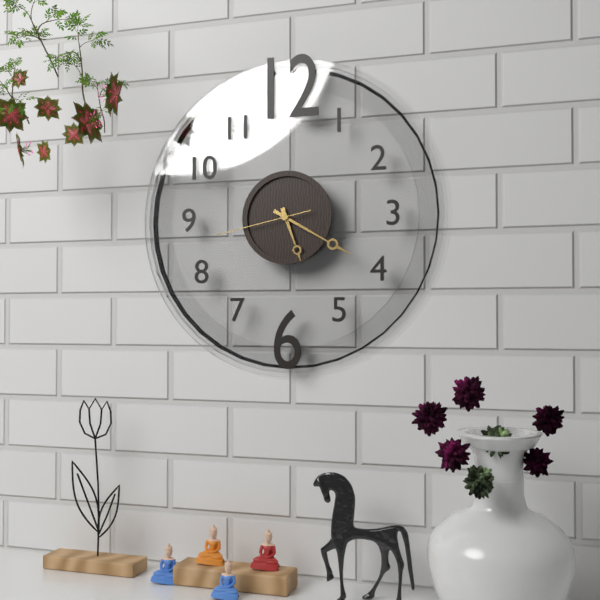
5:20:43
